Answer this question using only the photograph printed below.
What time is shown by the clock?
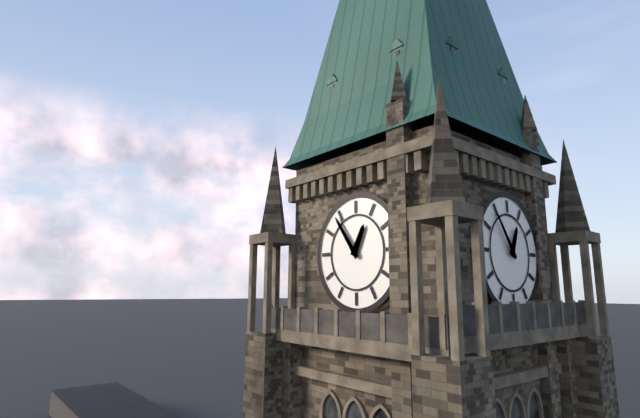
12:54
